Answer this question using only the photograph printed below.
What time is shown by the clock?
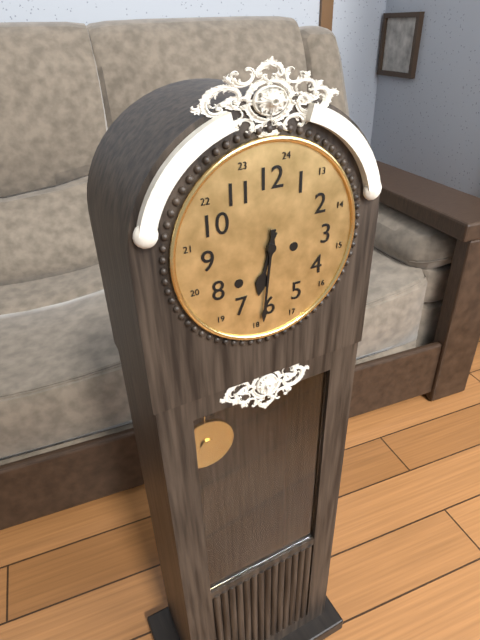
6:31
